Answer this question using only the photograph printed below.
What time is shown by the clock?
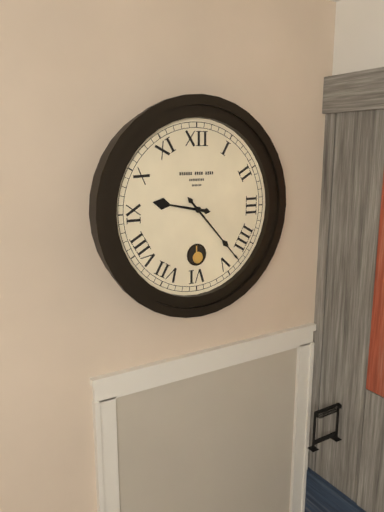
9:23
